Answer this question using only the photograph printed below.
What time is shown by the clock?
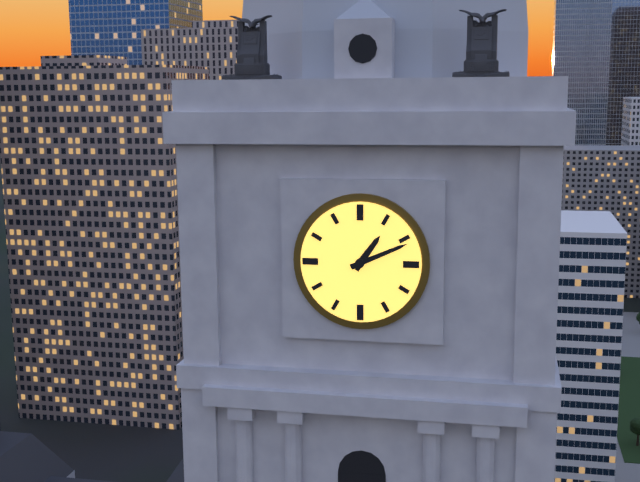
1:11
